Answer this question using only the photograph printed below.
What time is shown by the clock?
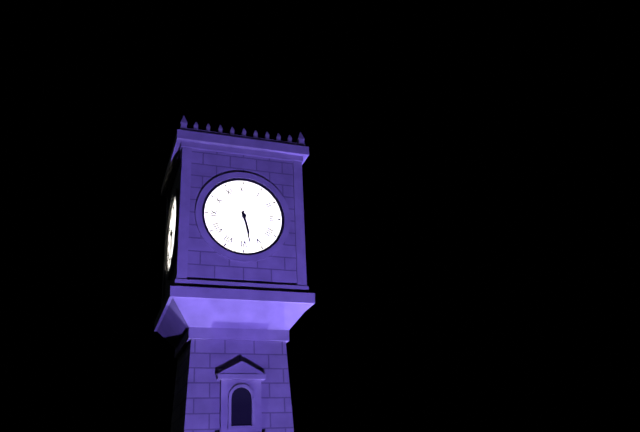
5:28
